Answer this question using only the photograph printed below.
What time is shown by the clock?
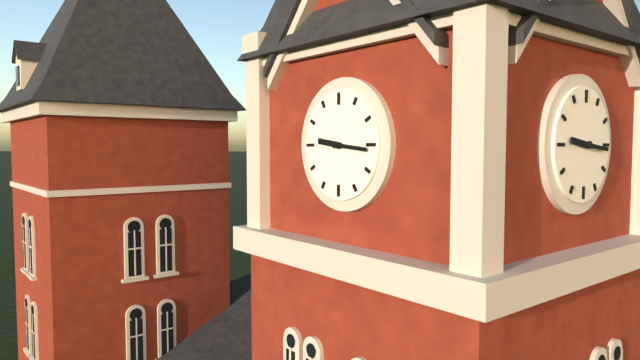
9:16
